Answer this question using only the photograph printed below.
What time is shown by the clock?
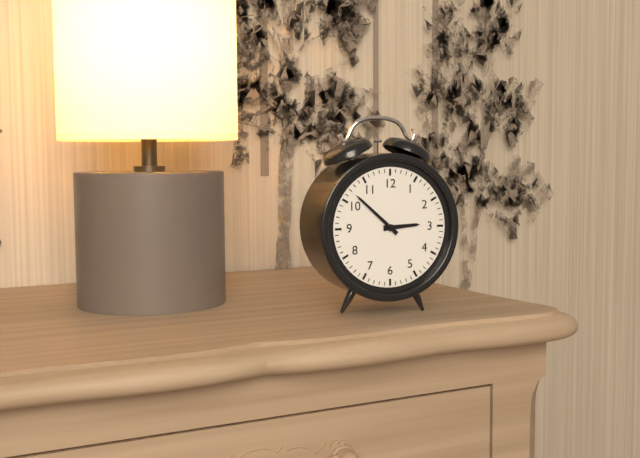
2:52
